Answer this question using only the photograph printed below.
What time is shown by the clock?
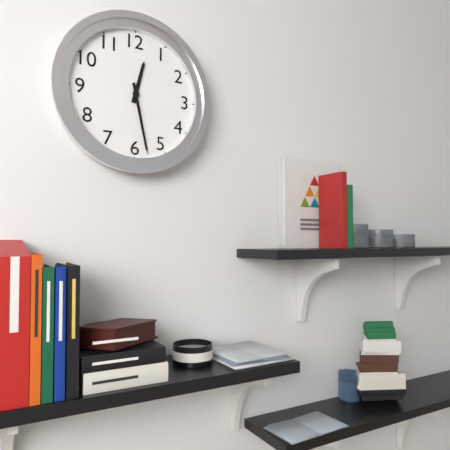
12:28
